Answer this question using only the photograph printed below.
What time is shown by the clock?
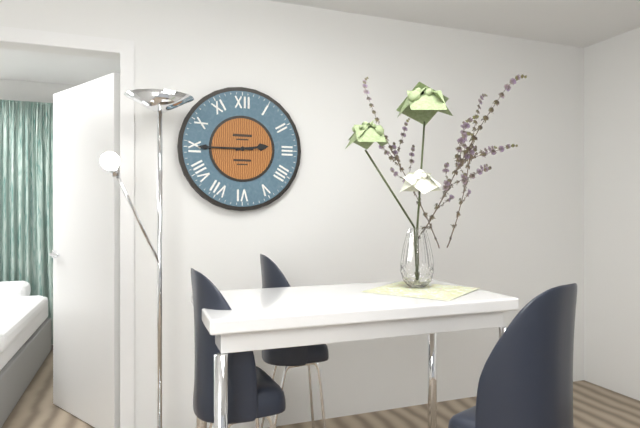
2:45
